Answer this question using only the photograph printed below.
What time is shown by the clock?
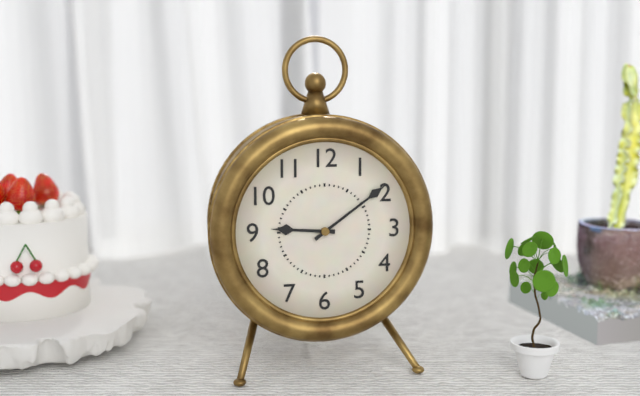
9:09
